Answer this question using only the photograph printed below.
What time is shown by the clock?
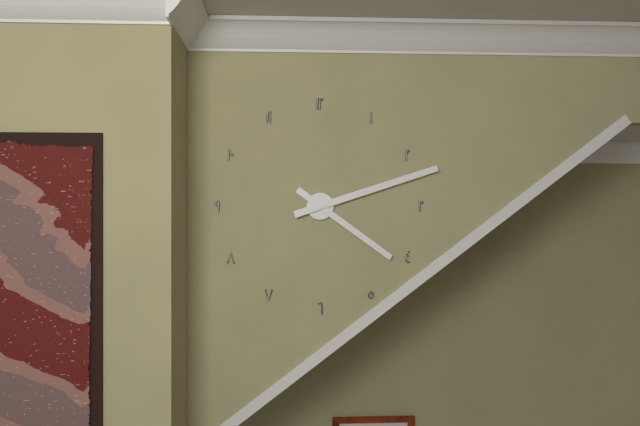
4:12
